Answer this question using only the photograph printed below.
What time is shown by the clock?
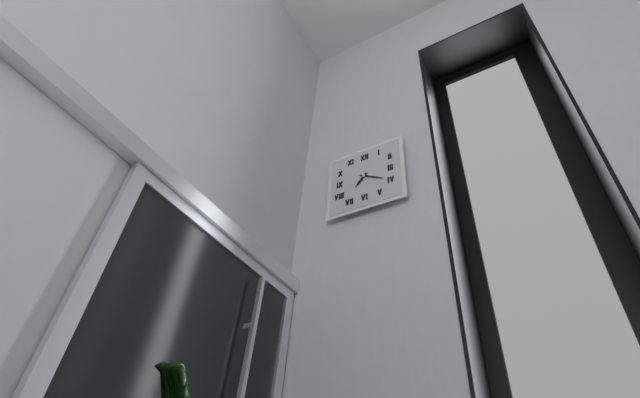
7:20
